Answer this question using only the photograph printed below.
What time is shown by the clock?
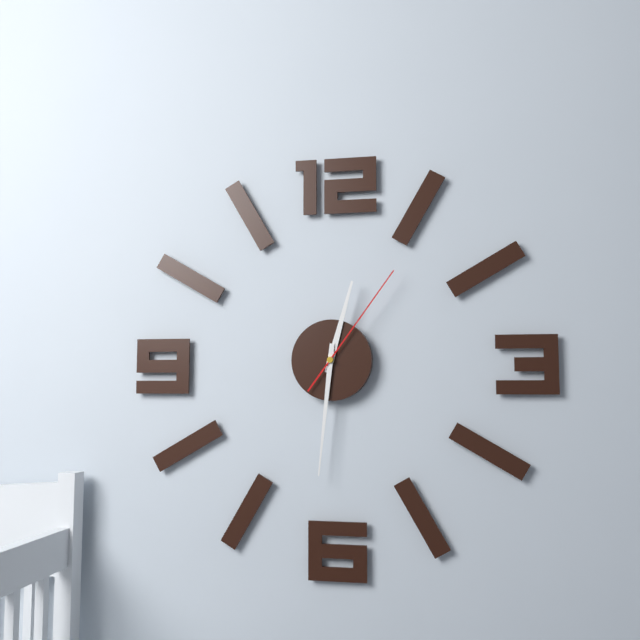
12:31:06
